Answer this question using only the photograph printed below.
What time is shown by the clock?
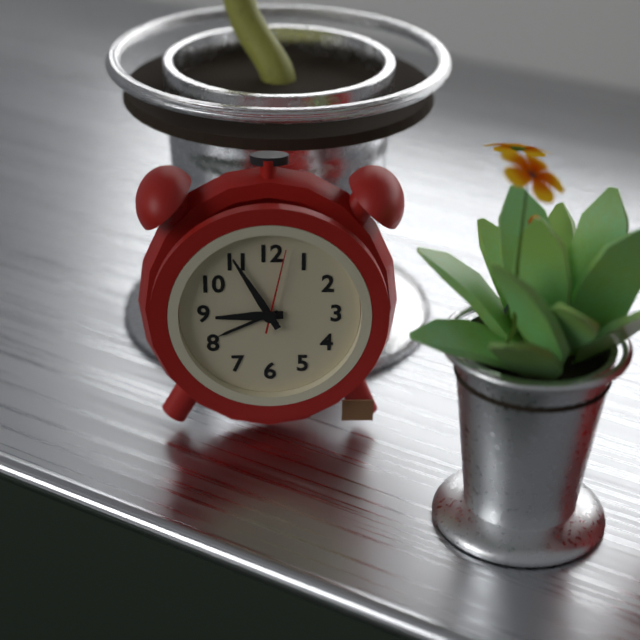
8:55:02
